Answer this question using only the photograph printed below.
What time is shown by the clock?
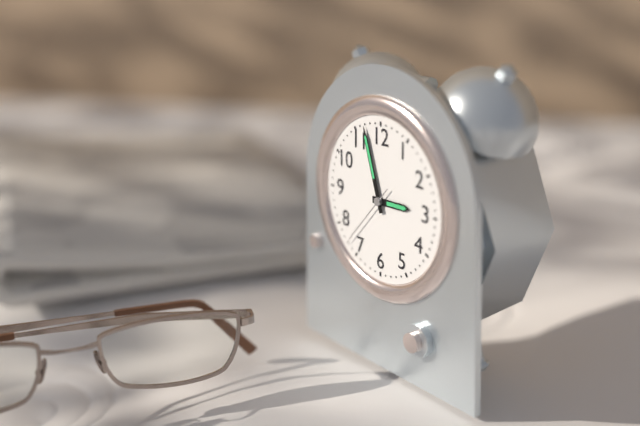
2:57:37
